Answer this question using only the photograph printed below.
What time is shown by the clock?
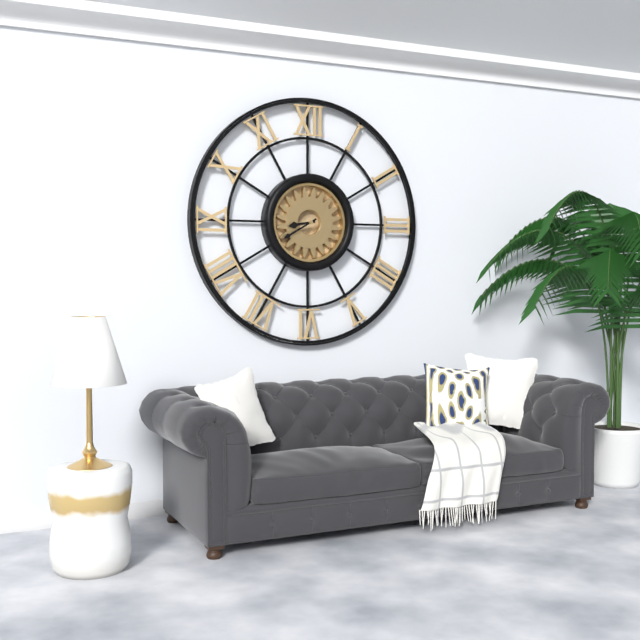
8:40
